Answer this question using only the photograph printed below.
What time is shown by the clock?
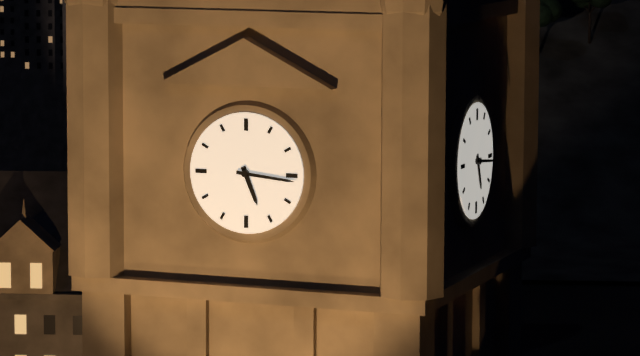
5:16
